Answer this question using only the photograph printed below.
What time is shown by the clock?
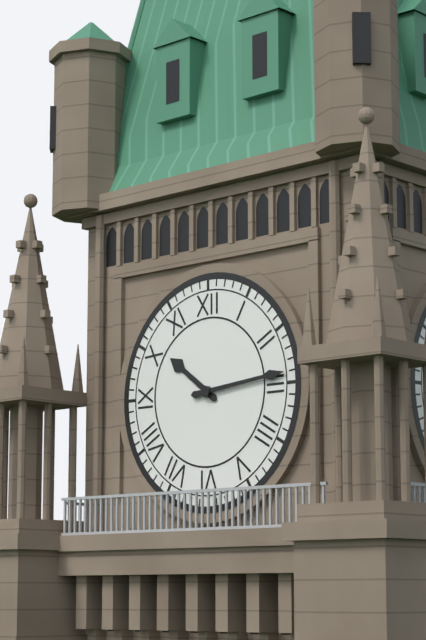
10:14
